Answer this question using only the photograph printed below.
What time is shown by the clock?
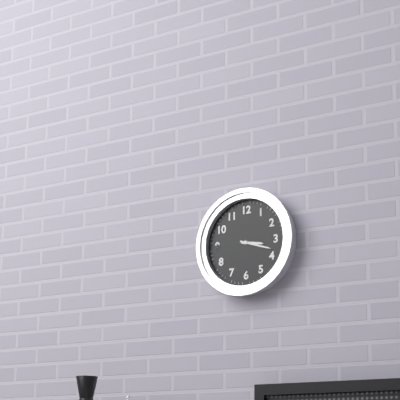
3:18
